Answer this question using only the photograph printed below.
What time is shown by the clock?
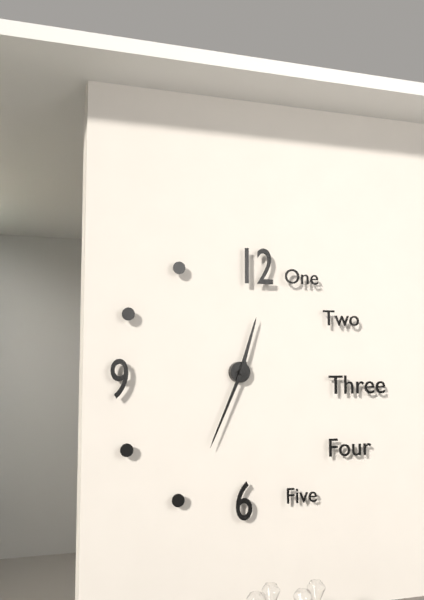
12:34
